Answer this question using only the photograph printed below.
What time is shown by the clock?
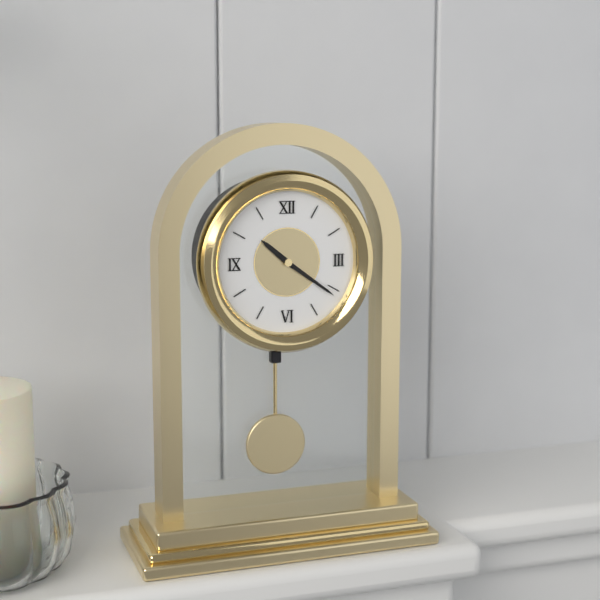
10:21
